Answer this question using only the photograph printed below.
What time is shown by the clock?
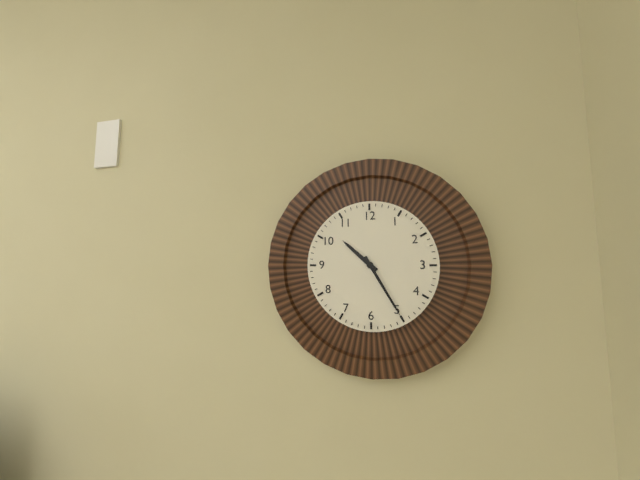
10:25
